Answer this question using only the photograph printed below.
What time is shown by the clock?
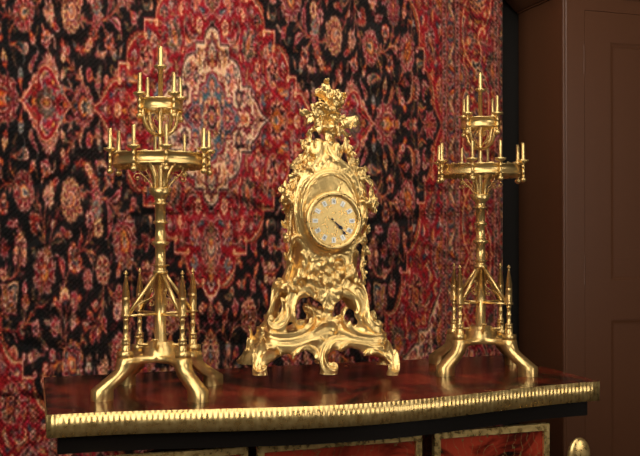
4:23
